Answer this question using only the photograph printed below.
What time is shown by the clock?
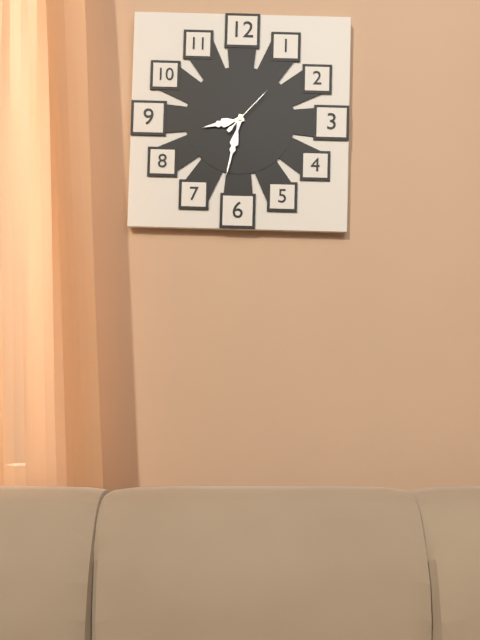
8:32:07
